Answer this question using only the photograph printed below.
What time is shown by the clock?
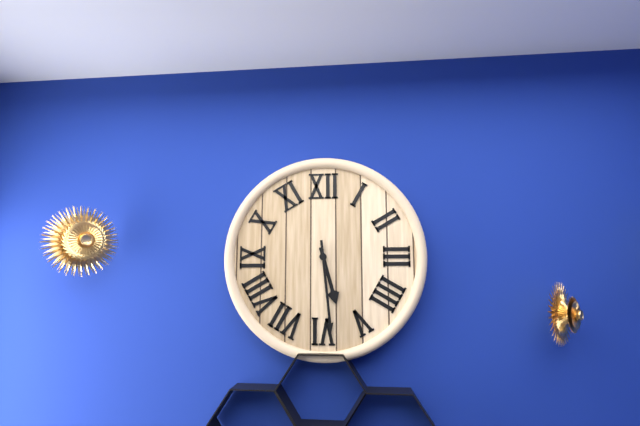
5:29
